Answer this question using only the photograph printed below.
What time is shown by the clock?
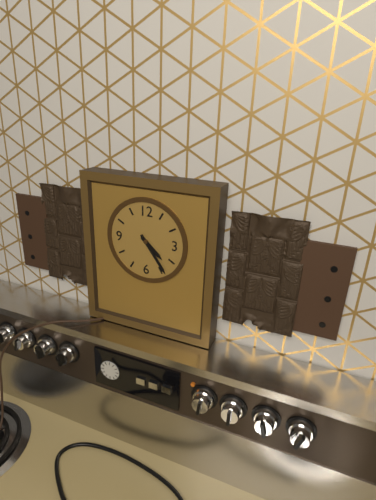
4:24
